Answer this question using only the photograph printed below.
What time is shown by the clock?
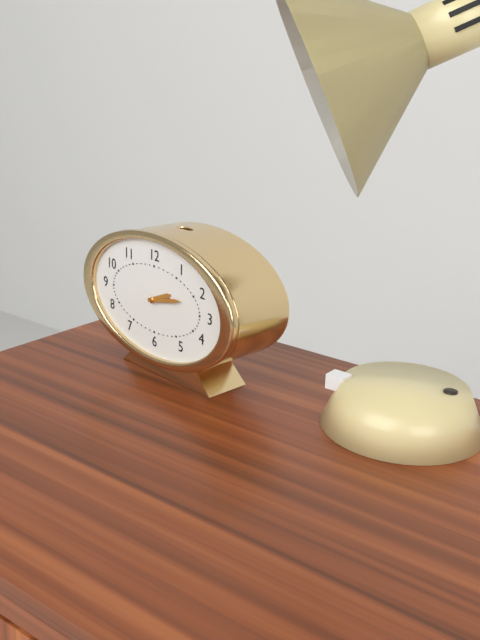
2:13
